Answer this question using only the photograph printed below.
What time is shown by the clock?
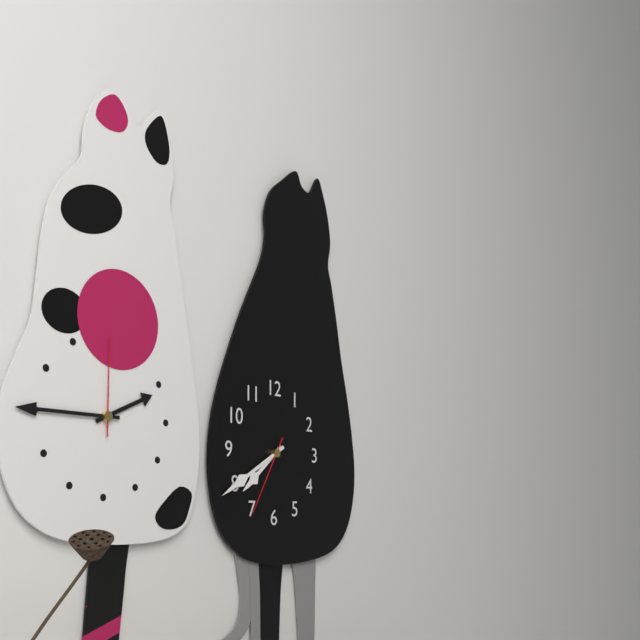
7:40:35
